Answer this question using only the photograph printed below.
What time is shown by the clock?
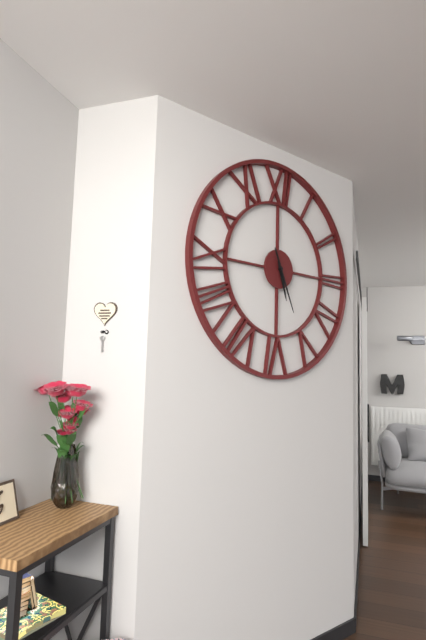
5:26
